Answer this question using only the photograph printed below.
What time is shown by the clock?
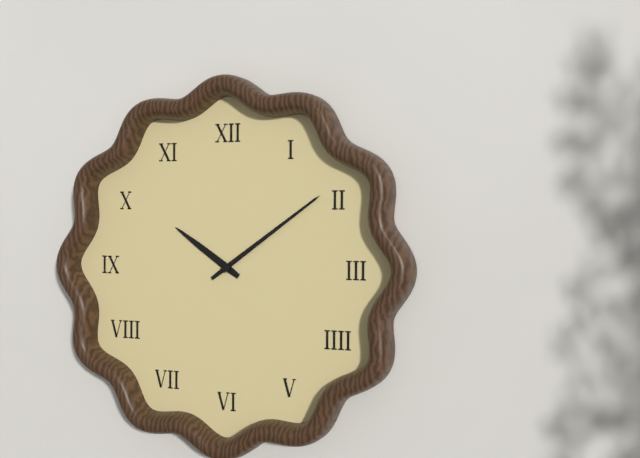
10:09
